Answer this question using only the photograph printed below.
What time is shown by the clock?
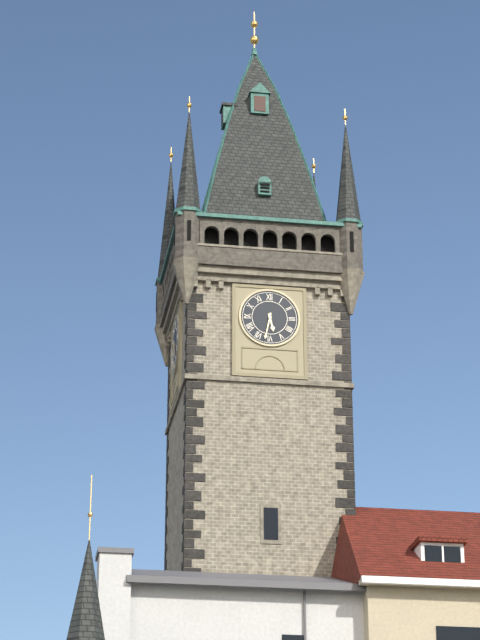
5:32
